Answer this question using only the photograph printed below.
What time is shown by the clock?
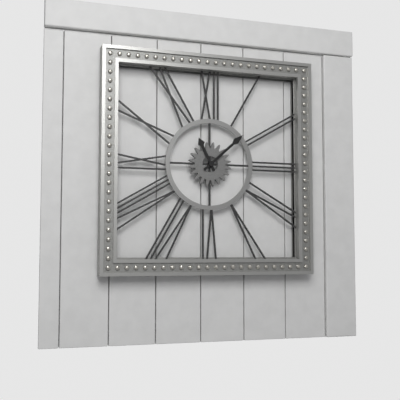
11:08
